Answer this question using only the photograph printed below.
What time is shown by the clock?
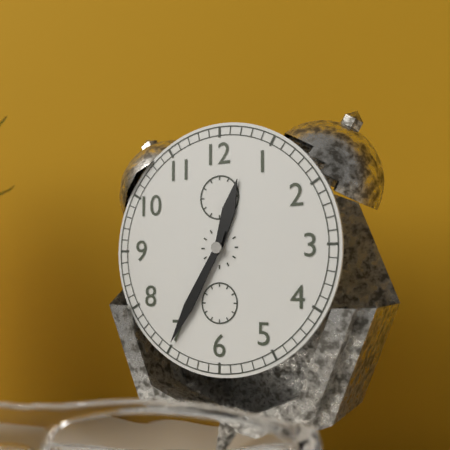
12:35
